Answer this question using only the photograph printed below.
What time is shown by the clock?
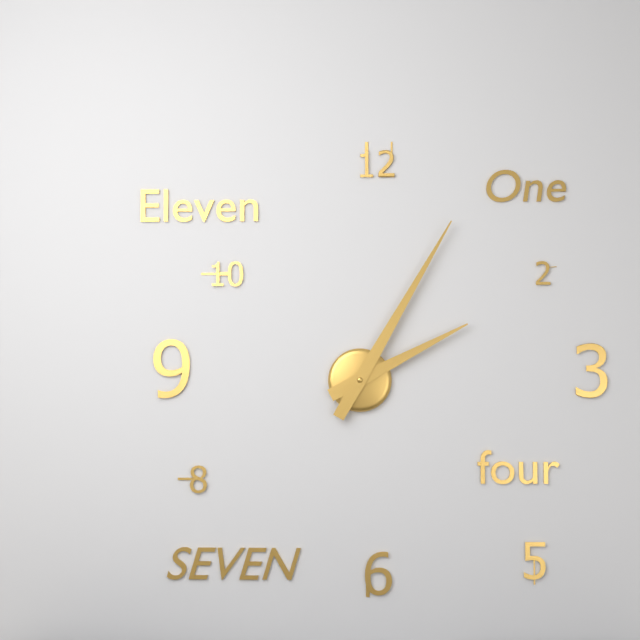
2:05
